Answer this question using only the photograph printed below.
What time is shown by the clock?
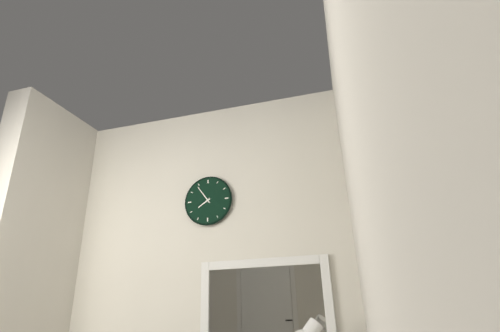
7:54
